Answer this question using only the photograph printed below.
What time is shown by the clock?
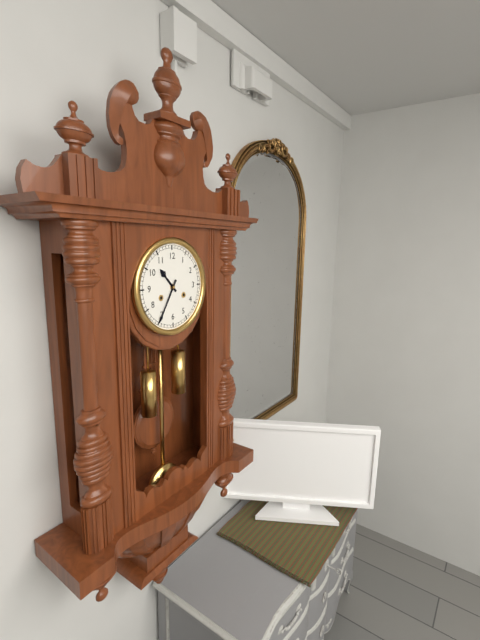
10:35
